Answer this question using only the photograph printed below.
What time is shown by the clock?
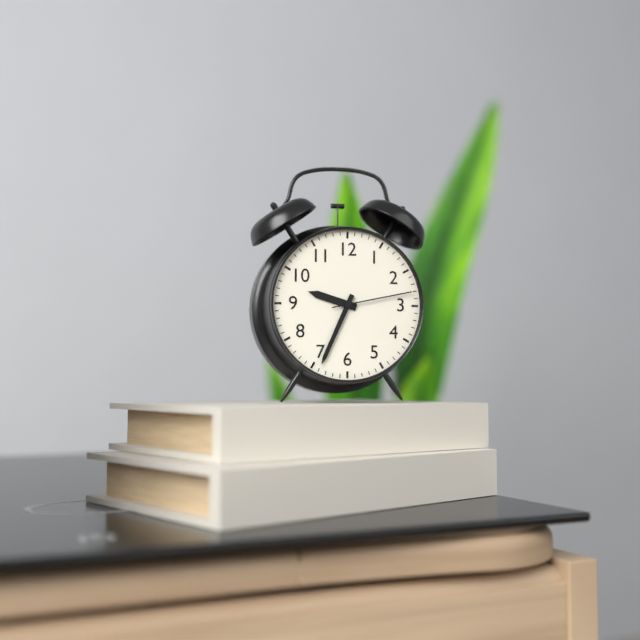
9:34:13
